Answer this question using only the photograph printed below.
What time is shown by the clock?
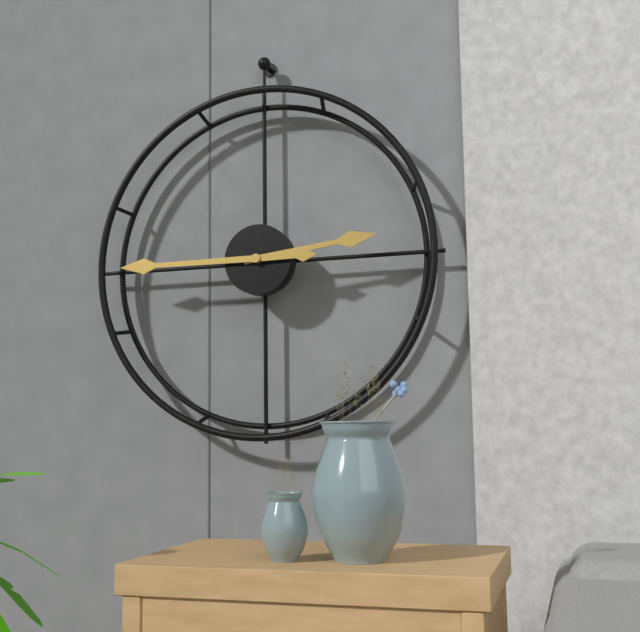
2:45
